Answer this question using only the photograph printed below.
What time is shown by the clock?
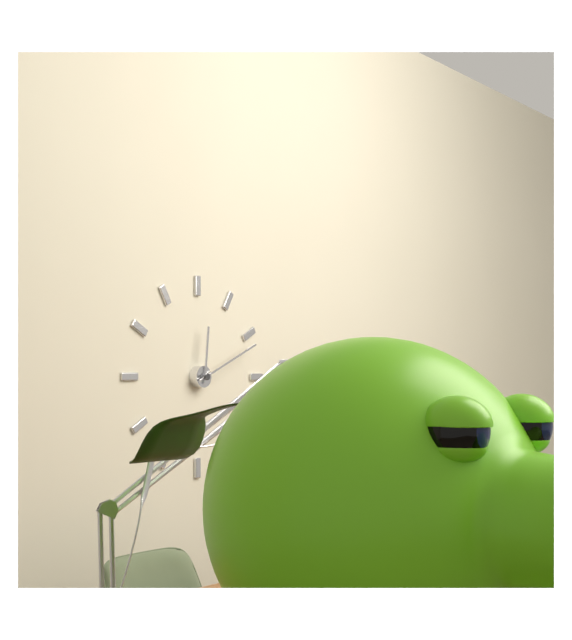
12:11
